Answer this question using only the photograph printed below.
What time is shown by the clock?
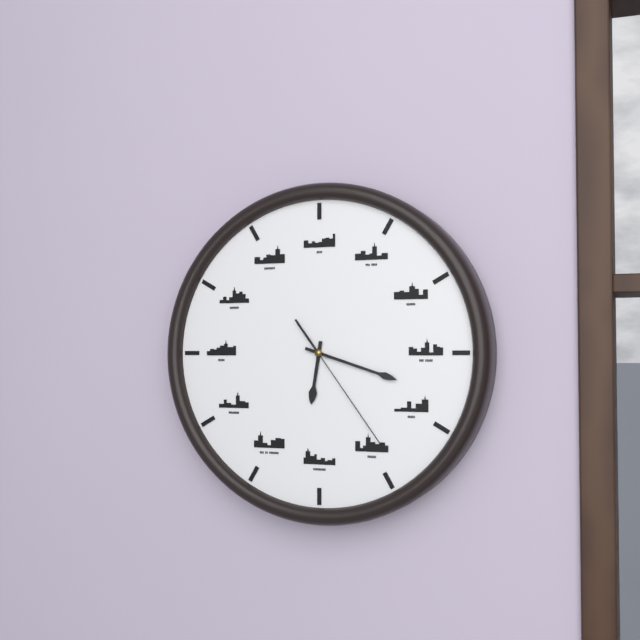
6:18:24
